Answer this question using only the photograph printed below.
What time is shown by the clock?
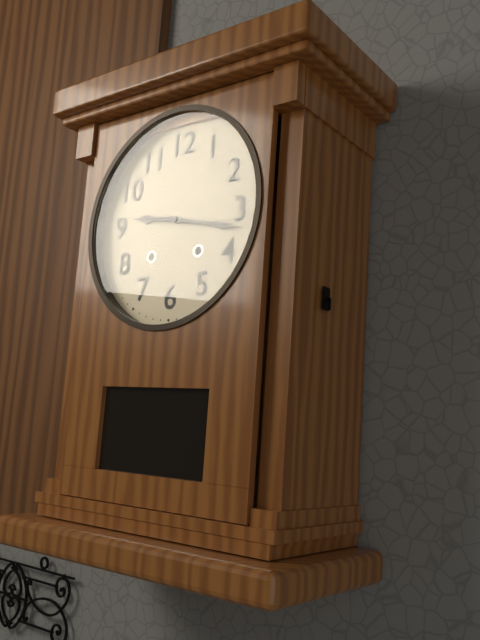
9:17
